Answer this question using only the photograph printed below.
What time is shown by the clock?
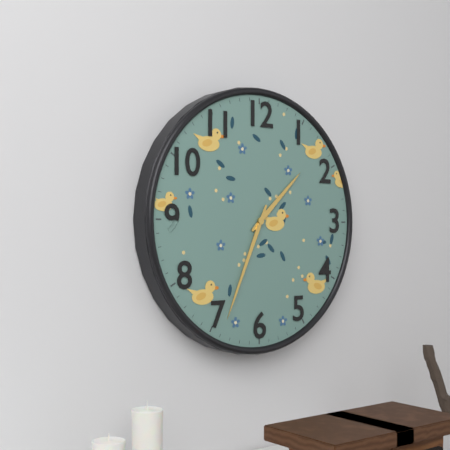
1:34
